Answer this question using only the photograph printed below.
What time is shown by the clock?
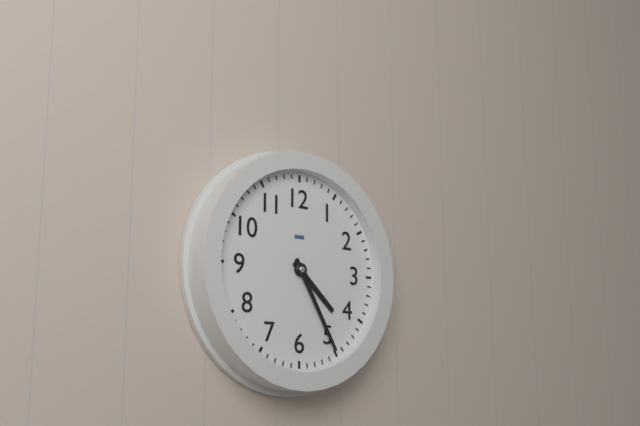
4:25
